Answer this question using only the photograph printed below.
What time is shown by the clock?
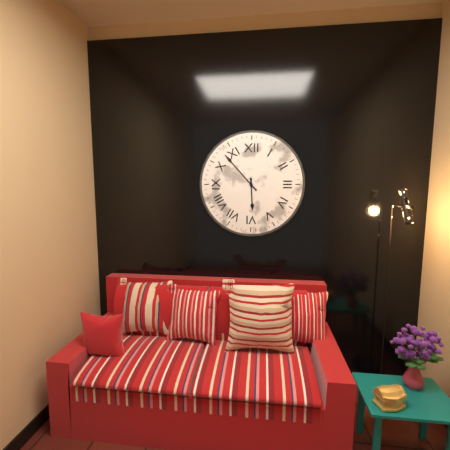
5:53
